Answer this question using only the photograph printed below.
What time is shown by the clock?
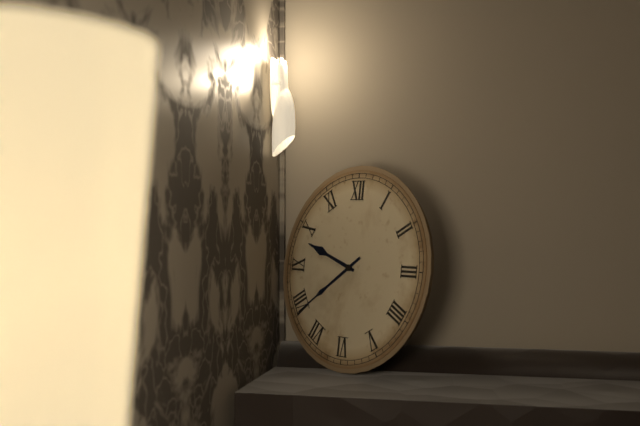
9:39
